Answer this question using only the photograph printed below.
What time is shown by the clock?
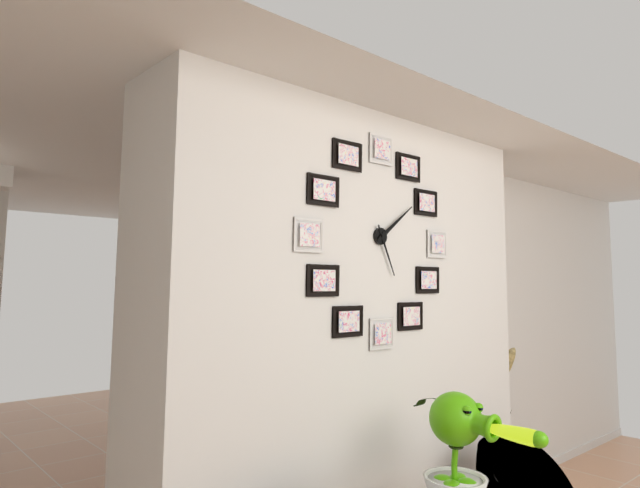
5:09
